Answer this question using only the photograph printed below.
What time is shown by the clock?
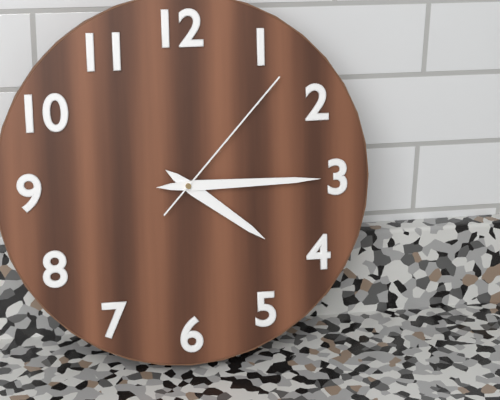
4:15:07
